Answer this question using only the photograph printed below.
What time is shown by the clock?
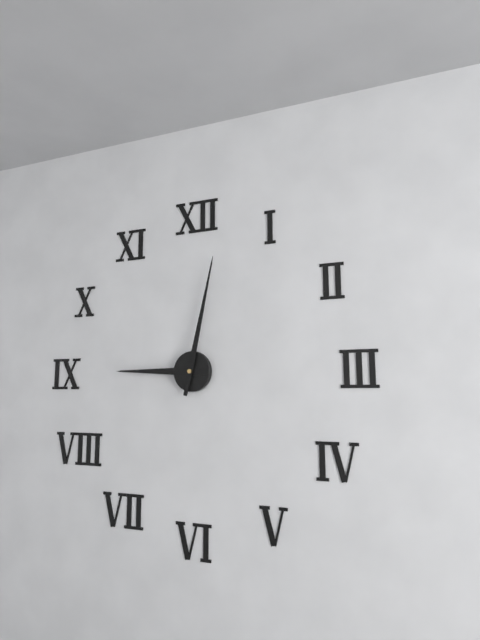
9:02
